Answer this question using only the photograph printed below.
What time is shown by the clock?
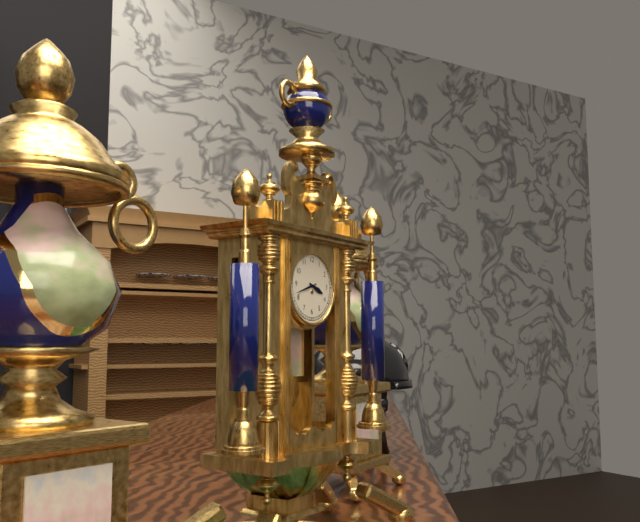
3:42
